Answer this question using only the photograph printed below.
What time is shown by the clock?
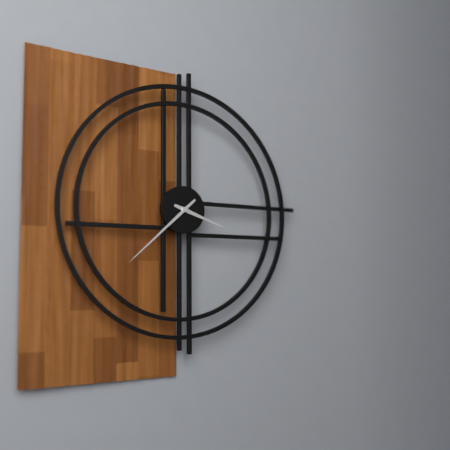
3:38
